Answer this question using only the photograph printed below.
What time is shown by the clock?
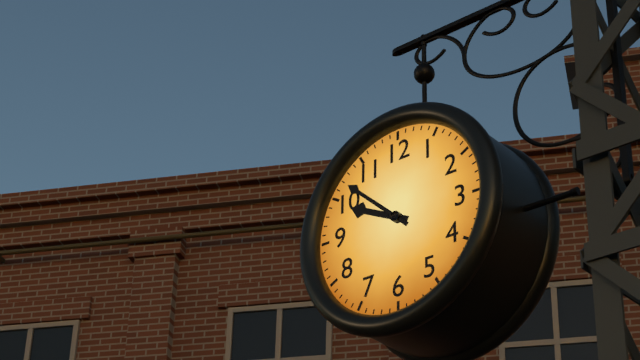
9:52
